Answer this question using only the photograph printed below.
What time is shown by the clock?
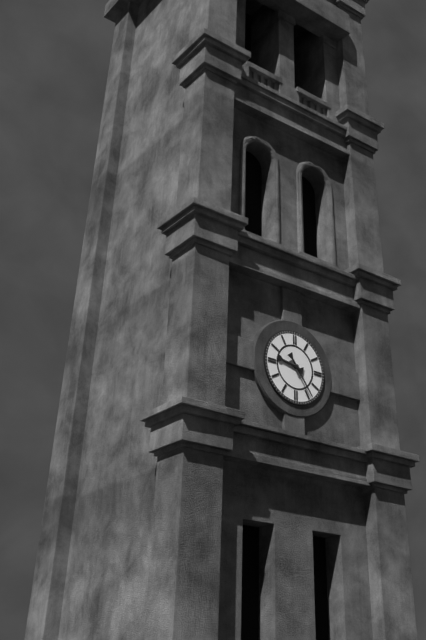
9:24
